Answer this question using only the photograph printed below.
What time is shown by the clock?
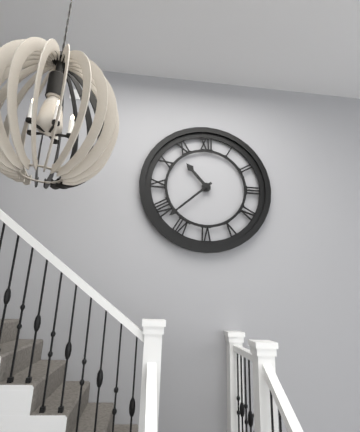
10:38
